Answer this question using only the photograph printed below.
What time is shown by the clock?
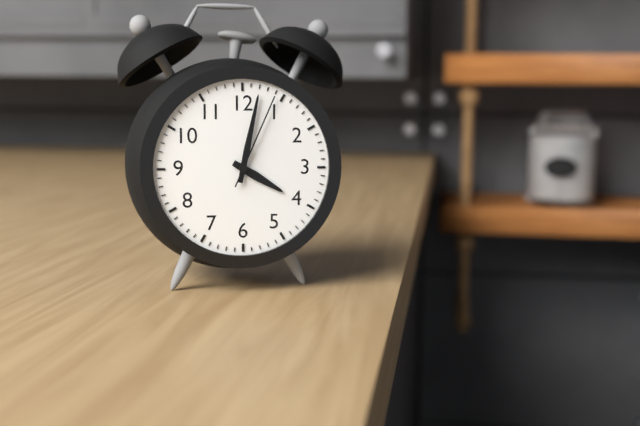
4:02:04
